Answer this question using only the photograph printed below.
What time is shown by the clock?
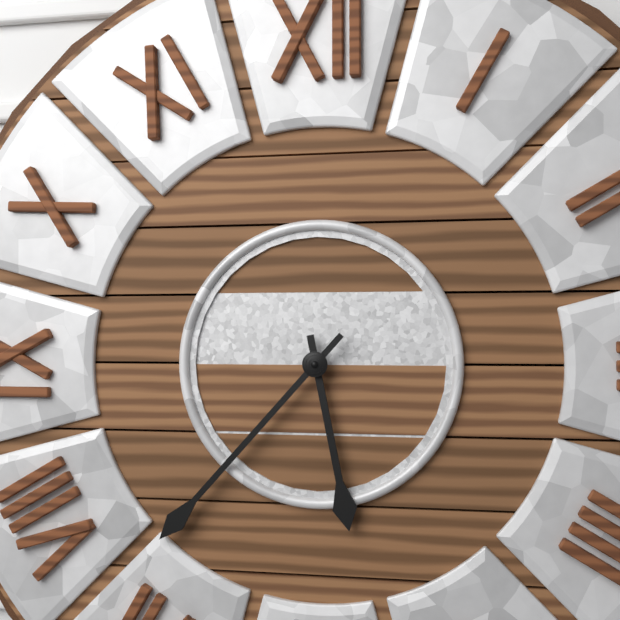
5:37
